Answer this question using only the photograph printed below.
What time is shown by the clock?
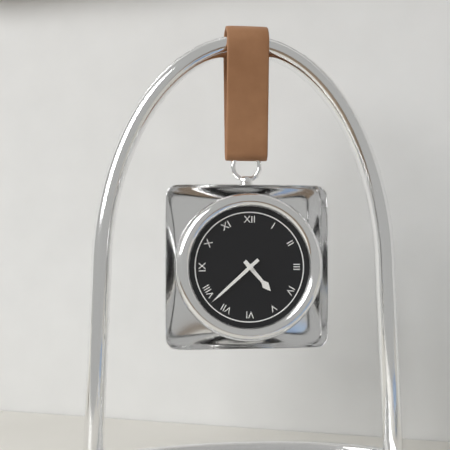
4:38
